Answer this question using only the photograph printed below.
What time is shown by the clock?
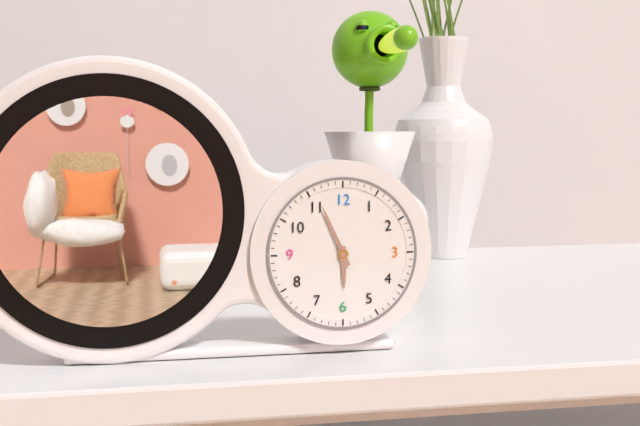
5:56
